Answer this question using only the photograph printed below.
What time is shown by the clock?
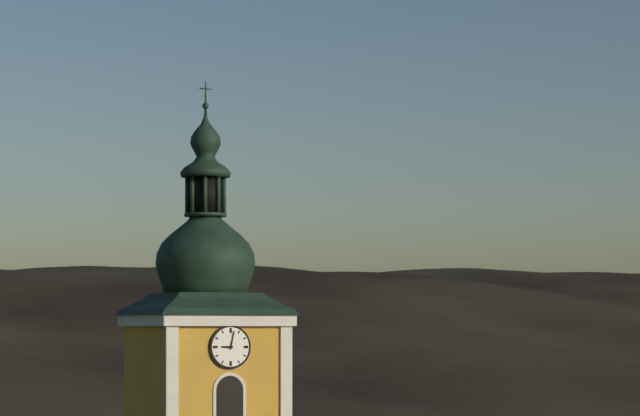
9:02
